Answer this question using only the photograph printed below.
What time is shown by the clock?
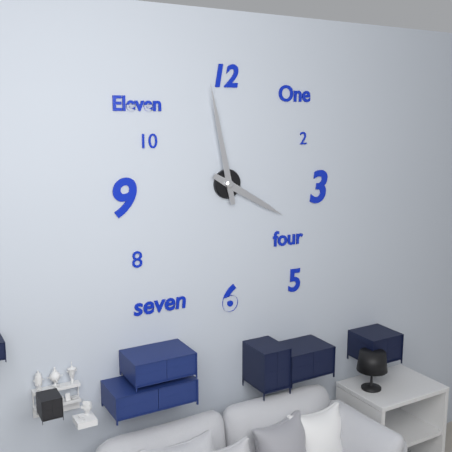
3:58
